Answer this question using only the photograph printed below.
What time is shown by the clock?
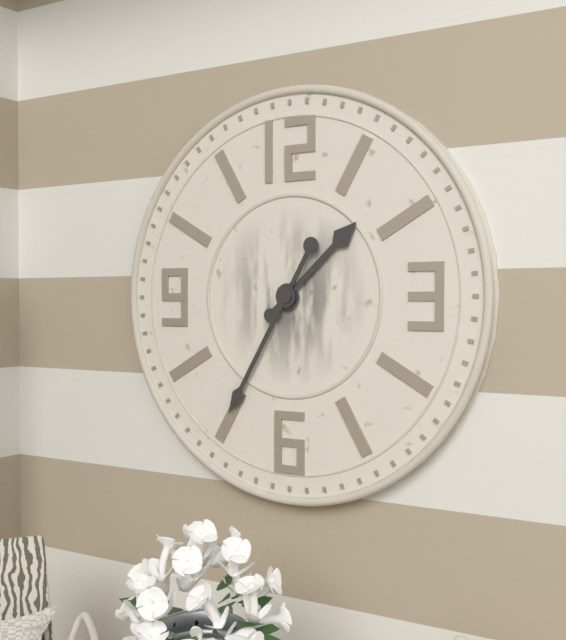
1:35
